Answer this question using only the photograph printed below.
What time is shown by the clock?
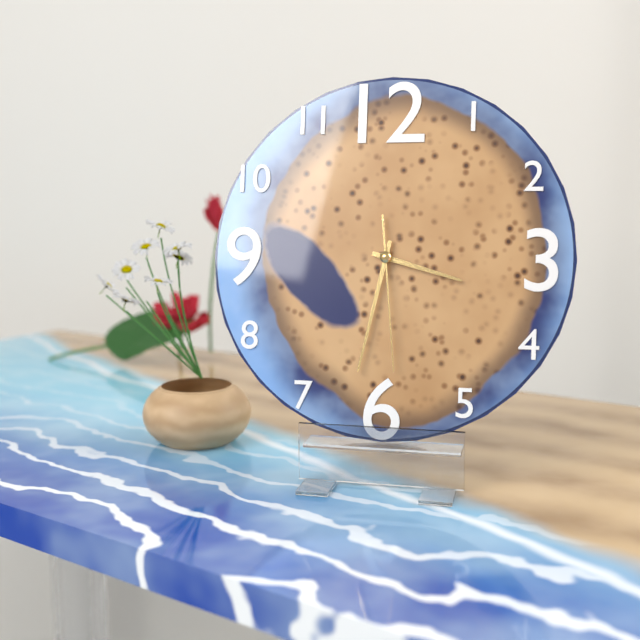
3:32:29
